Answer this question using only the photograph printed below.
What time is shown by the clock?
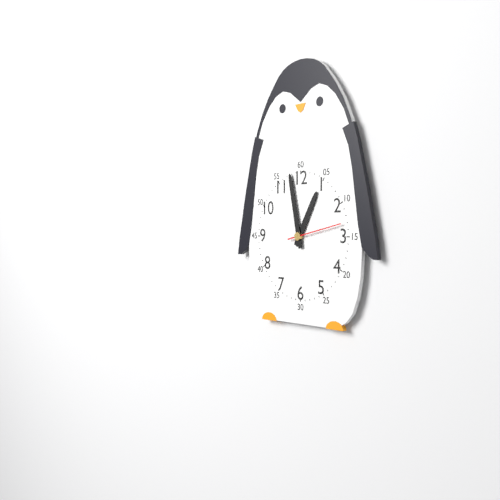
12:58
